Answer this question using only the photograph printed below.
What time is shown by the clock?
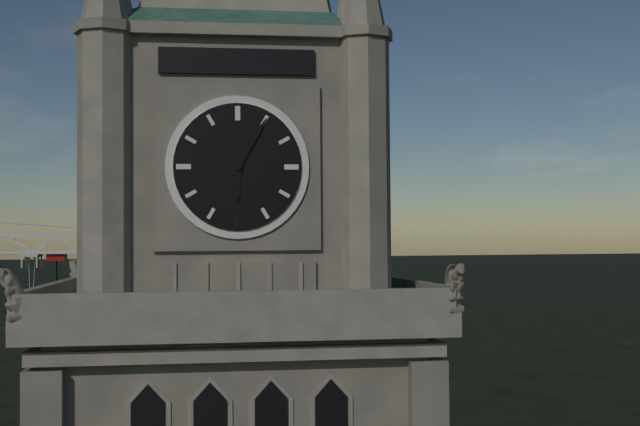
6:05
